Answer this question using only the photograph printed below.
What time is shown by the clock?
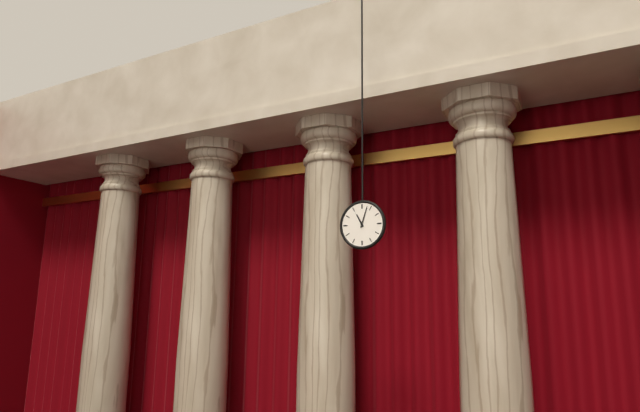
11:03
